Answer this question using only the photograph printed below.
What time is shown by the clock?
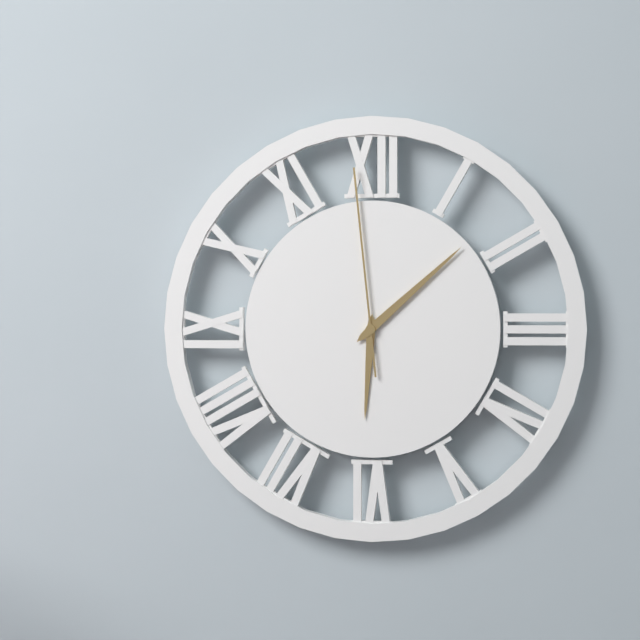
6:08:59
